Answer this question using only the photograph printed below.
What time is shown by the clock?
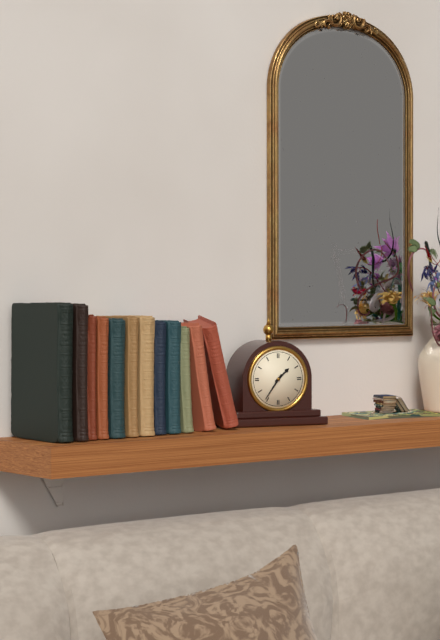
1:36
